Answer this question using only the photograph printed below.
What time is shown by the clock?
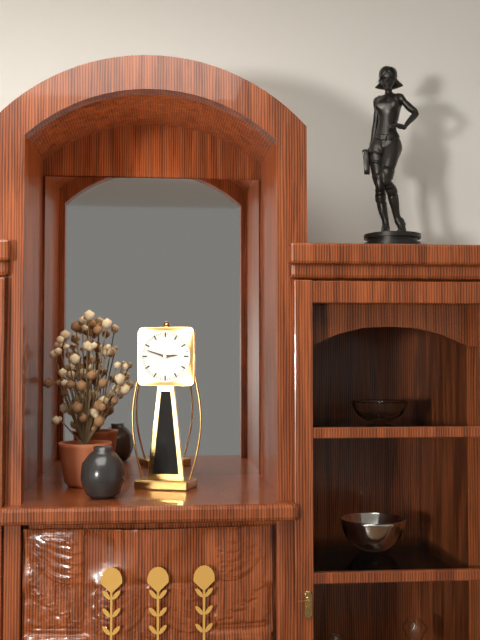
2:48
